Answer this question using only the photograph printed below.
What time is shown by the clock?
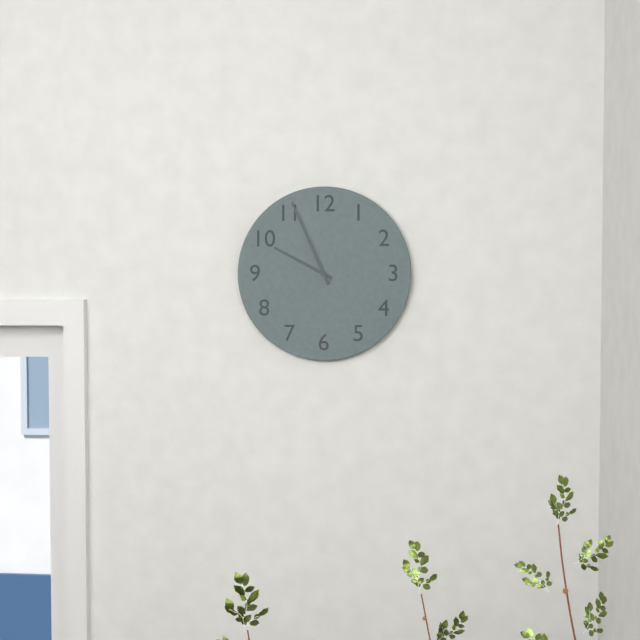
9:56
